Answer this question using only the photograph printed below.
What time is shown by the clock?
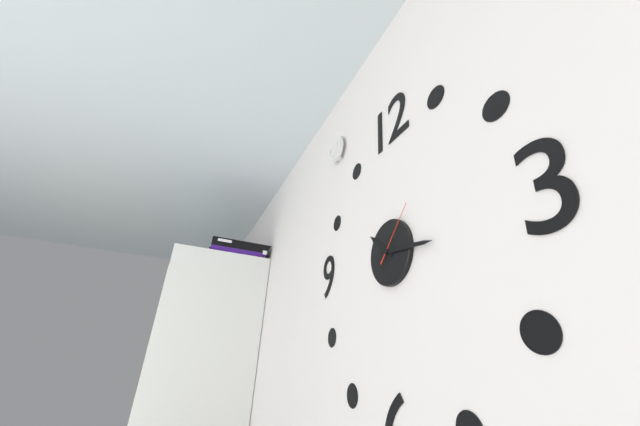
10:16:07
